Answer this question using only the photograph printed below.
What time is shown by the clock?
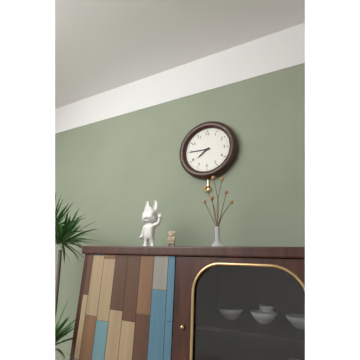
7:45
